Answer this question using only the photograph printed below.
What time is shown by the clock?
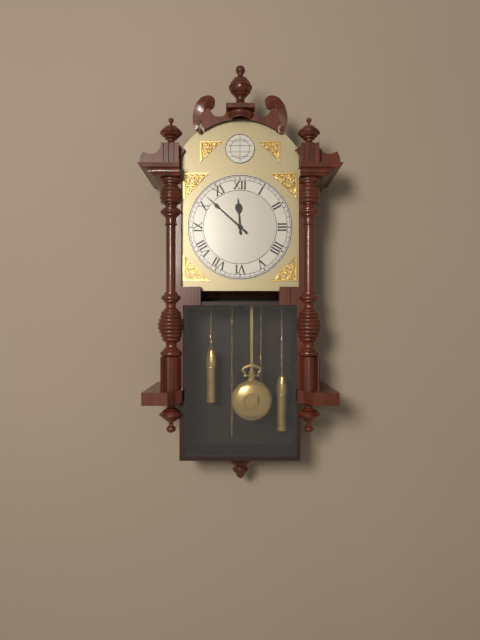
11:52
